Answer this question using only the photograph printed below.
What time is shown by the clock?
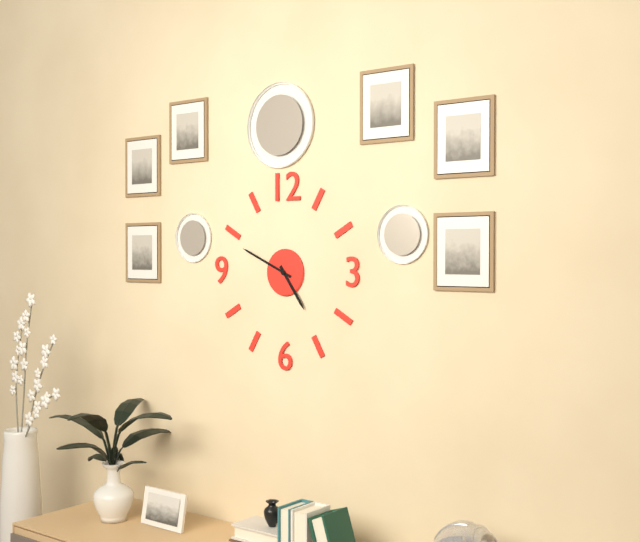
4:49
